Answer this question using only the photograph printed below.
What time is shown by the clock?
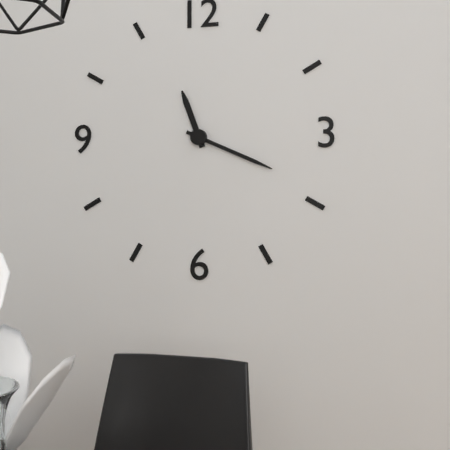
11:19
